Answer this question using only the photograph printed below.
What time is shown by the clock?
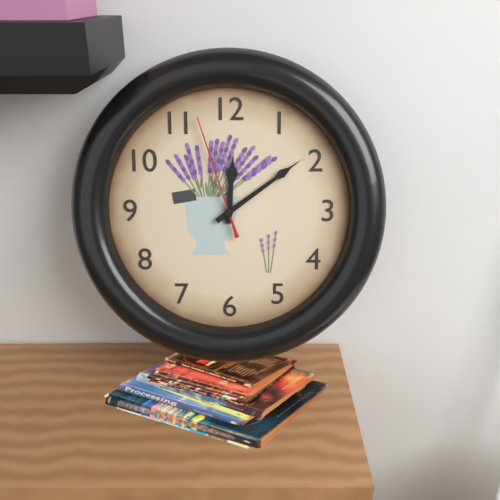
12:09:57
